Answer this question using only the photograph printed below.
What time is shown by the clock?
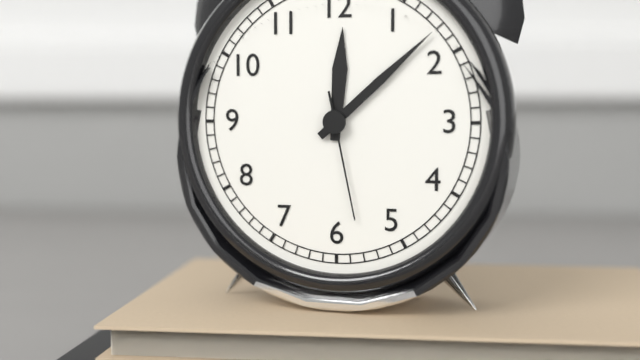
12:08:28
